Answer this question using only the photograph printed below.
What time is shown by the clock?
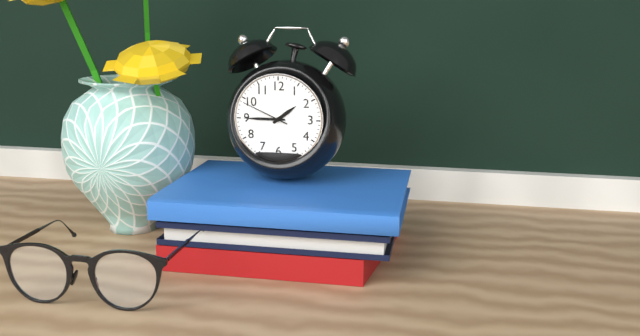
1:45
